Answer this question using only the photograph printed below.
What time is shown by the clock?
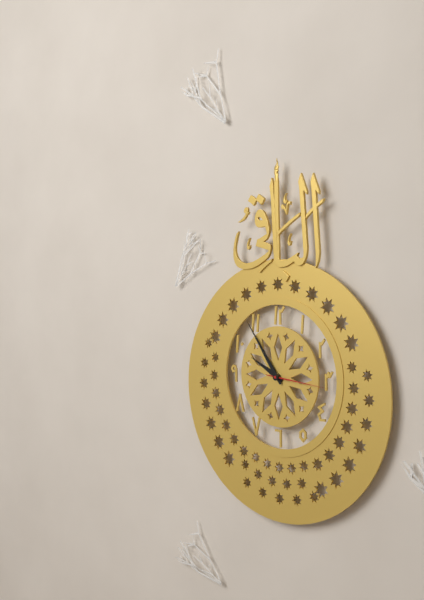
9:54:16
